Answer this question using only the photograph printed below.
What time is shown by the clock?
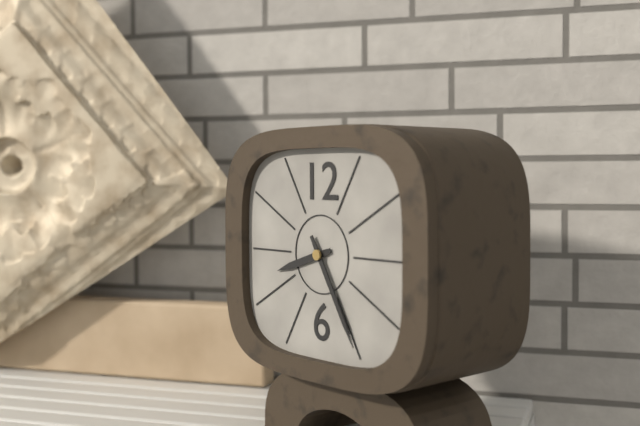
8:25
